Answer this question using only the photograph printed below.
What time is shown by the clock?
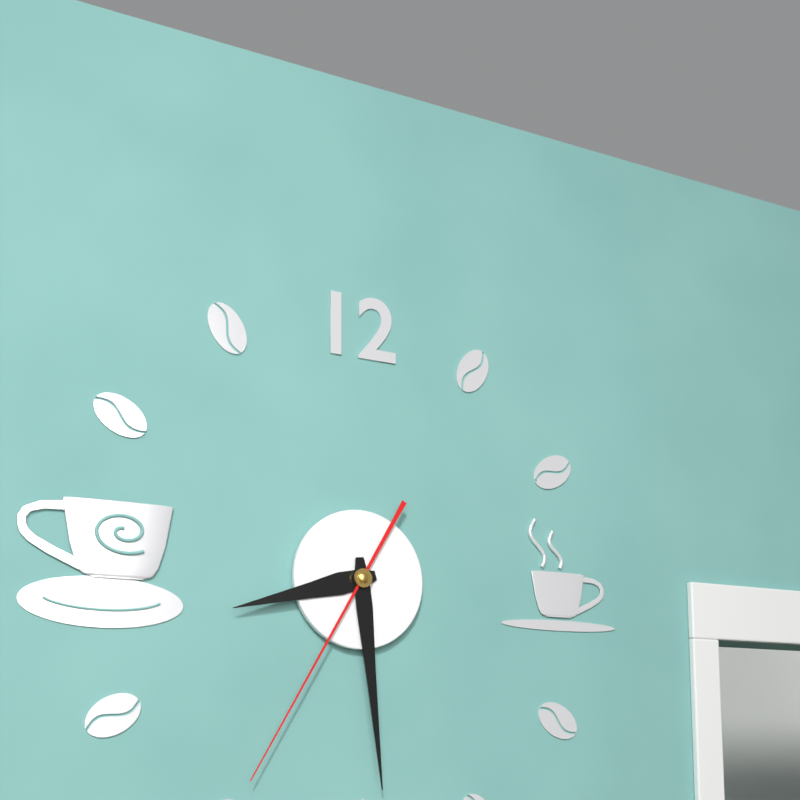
8:29:35
